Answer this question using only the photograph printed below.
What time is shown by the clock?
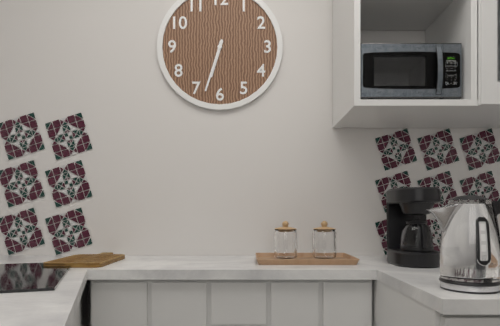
6:33
